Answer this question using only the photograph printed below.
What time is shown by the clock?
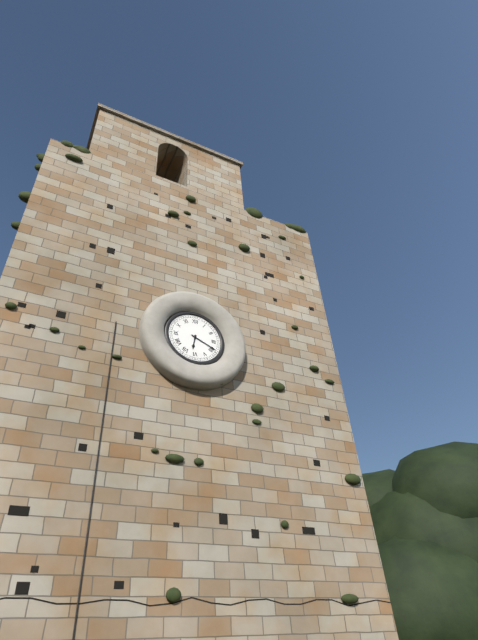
6:19
